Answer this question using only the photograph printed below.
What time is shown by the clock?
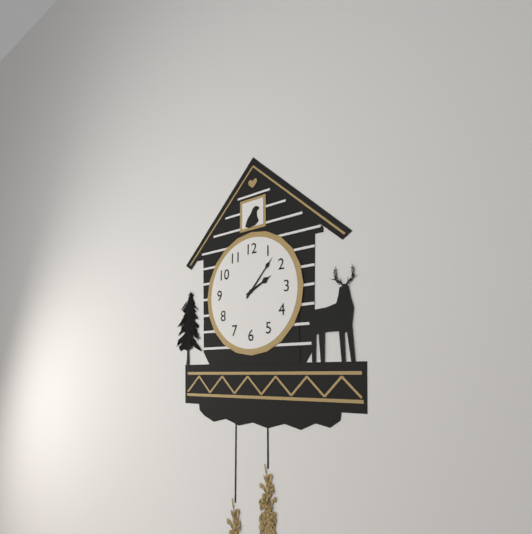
2:07
